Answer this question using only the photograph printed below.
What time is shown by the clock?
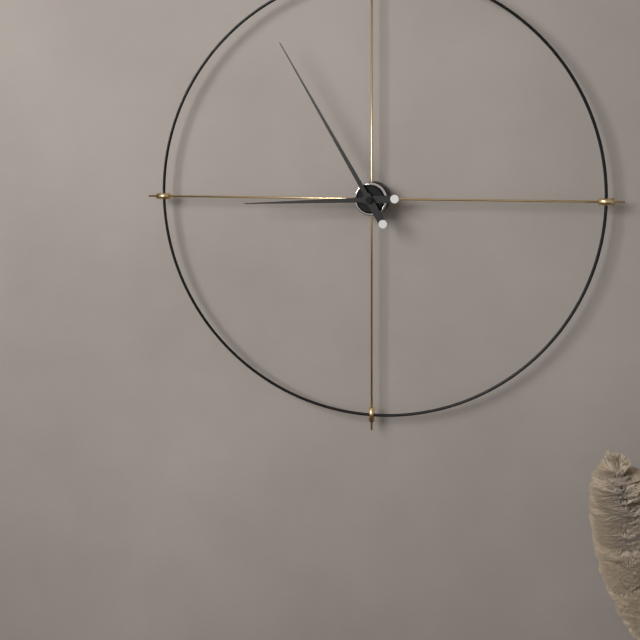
8:55
